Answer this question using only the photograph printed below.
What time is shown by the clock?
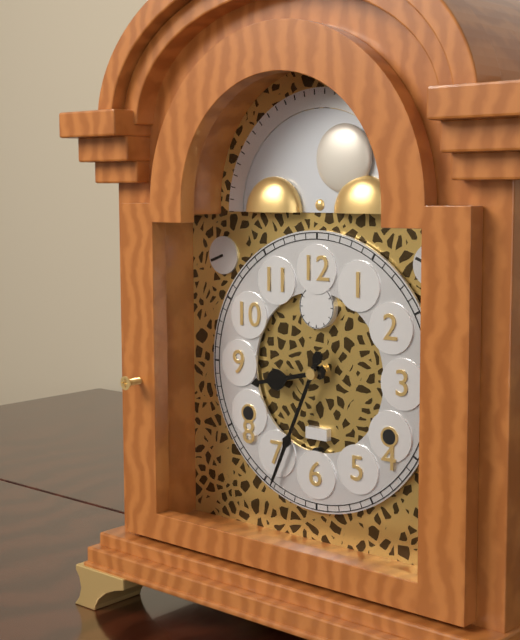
8:34
